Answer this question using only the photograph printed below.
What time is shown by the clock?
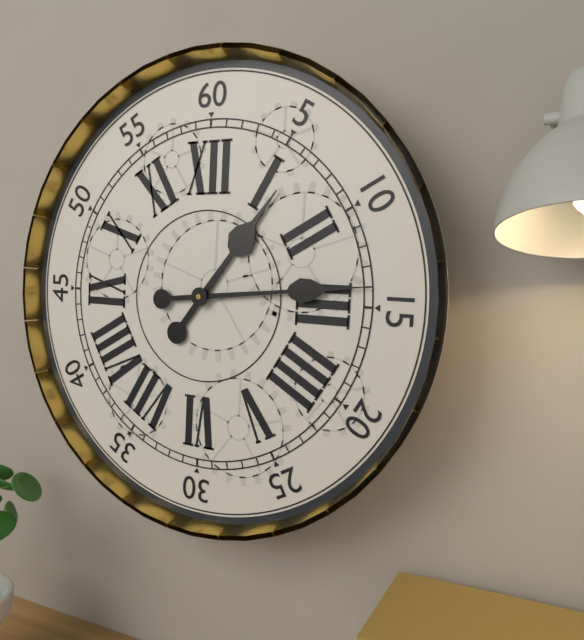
1:14
